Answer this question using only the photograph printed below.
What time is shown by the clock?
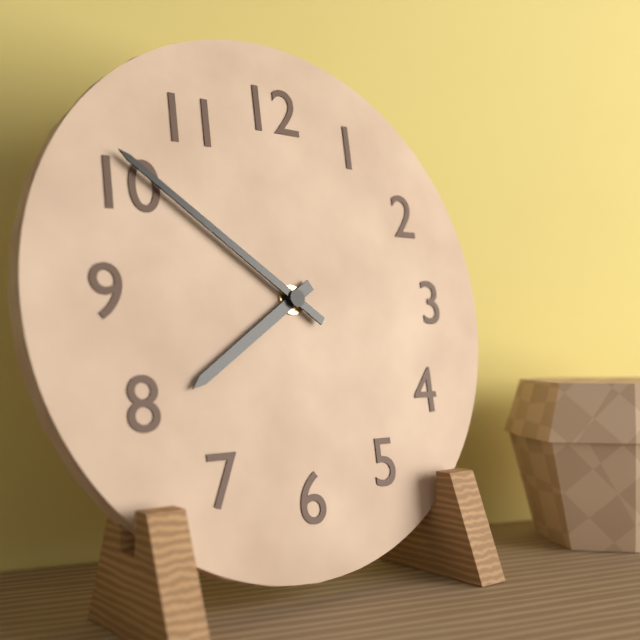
7:51
